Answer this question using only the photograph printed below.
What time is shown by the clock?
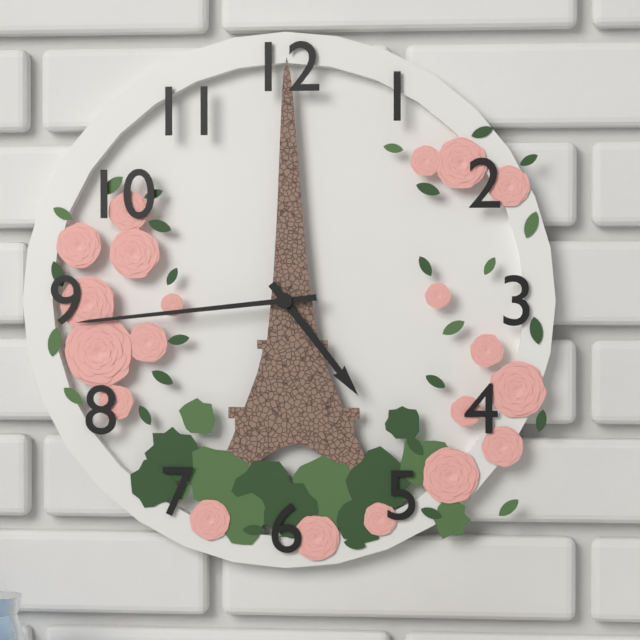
4:44
